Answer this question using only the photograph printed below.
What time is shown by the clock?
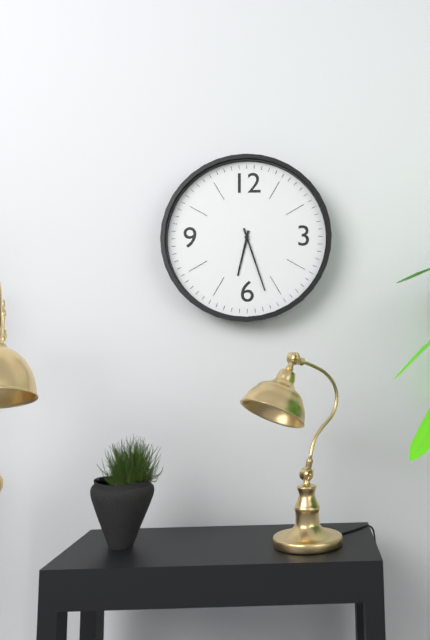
6:27
